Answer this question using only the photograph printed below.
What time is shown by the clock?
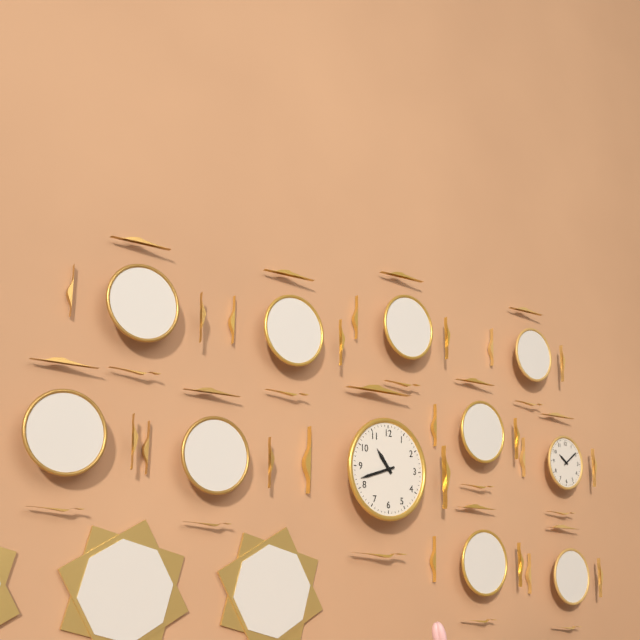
10:42
